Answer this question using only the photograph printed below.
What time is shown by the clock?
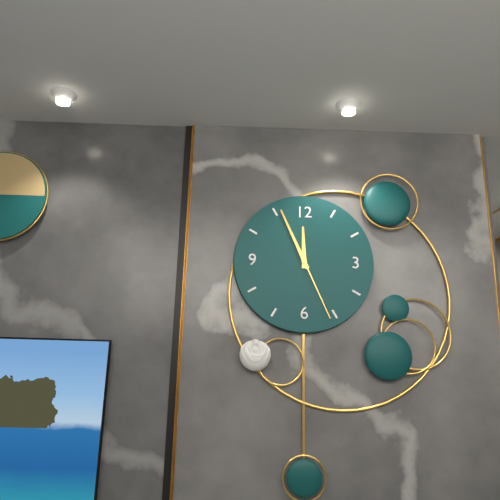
11:56:26
